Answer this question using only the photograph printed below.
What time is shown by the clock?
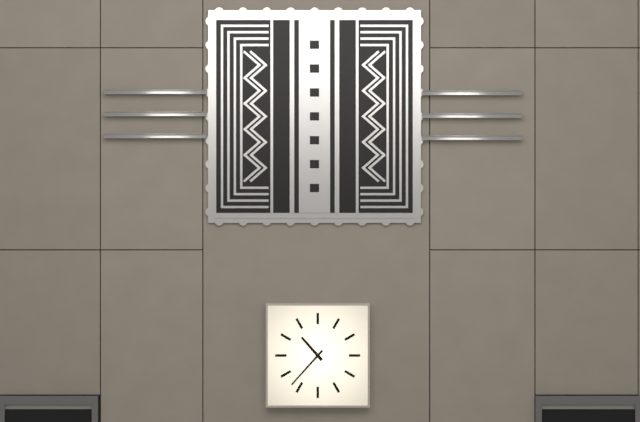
10:37
